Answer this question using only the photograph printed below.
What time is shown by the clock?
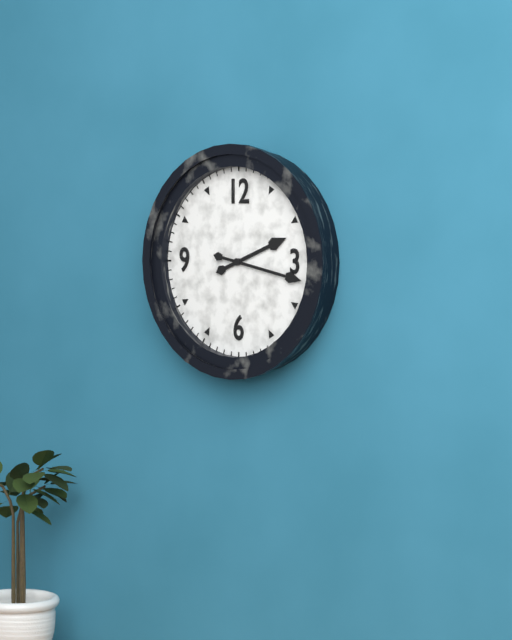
2:17
